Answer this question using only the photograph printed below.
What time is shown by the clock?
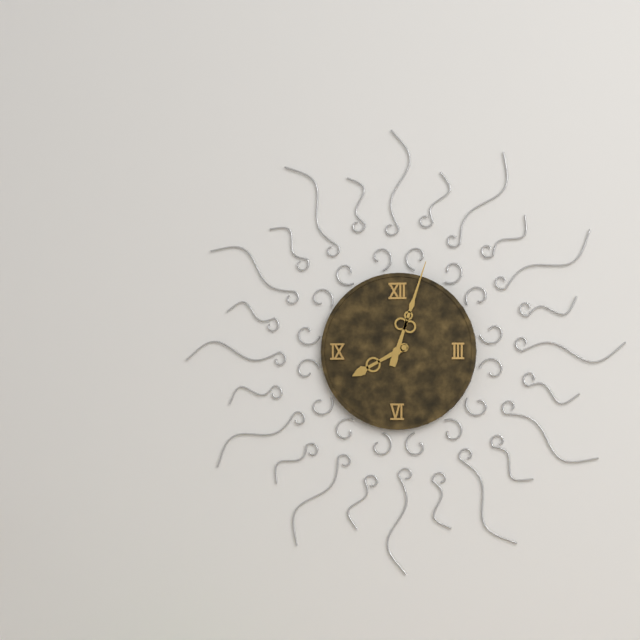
8:03
